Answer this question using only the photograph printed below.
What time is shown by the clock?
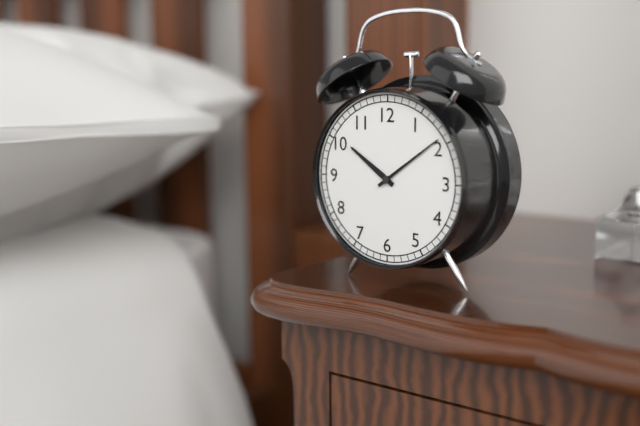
10:09
